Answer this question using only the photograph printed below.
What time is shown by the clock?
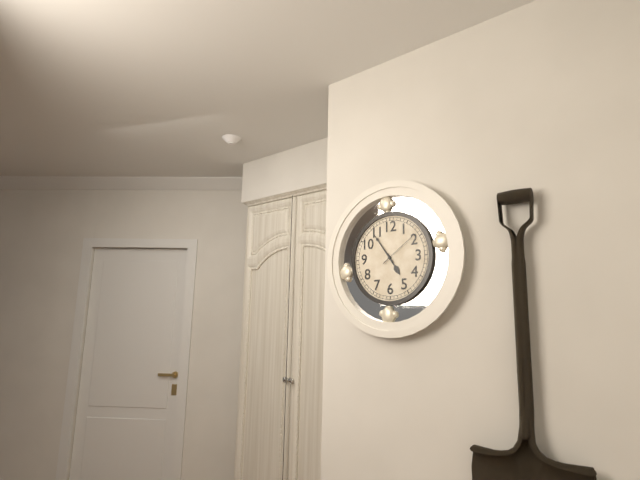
4:54
